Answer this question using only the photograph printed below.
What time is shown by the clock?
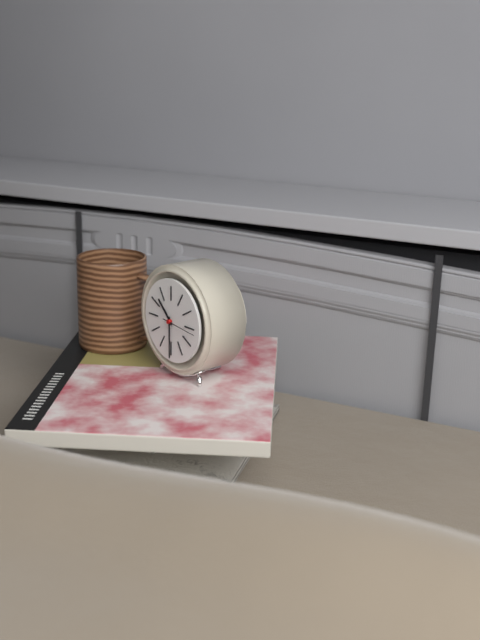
10:30
